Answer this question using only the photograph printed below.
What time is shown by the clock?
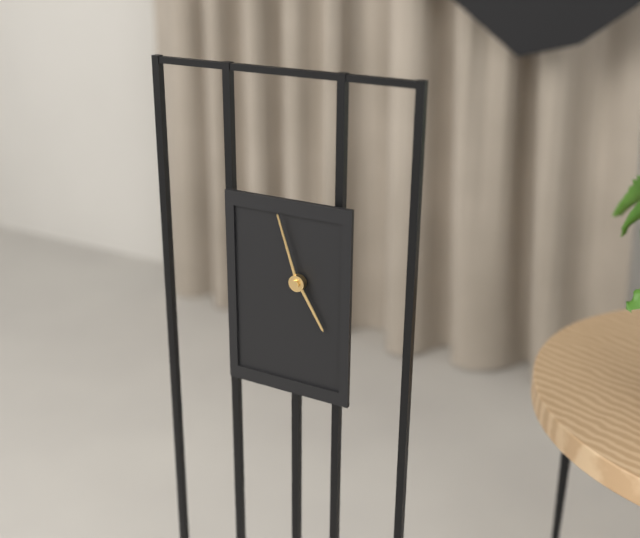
4:57
